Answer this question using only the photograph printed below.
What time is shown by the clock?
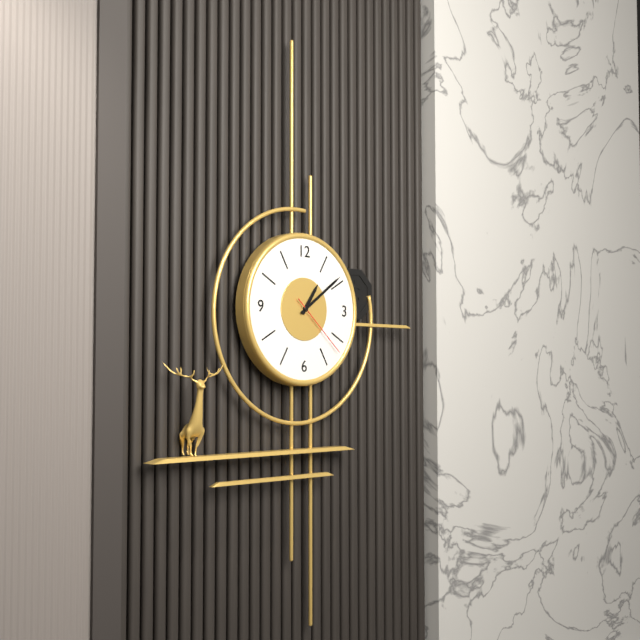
1:09:22
